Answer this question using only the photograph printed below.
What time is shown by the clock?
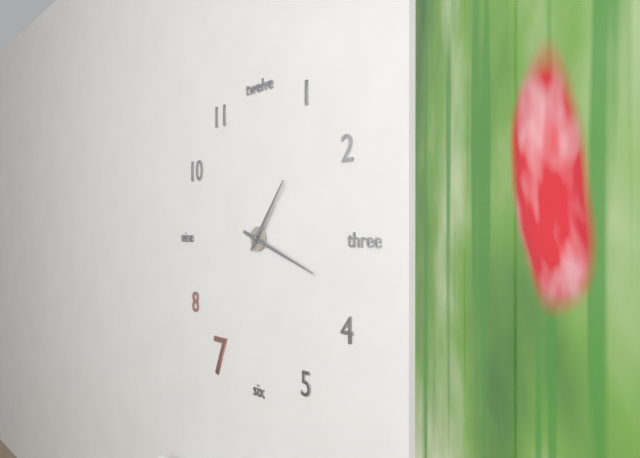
1:18
